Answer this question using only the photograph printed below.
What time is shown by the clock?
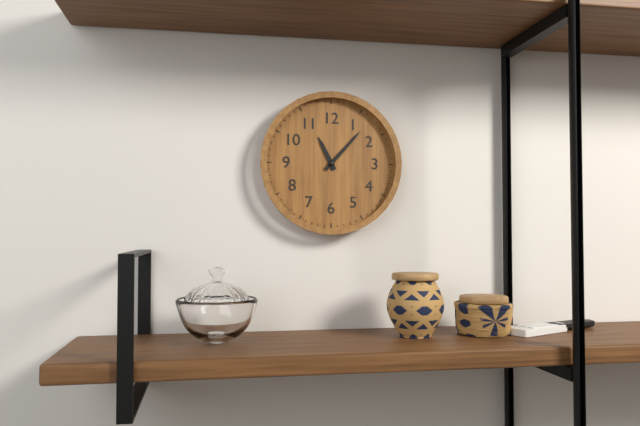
11:07
